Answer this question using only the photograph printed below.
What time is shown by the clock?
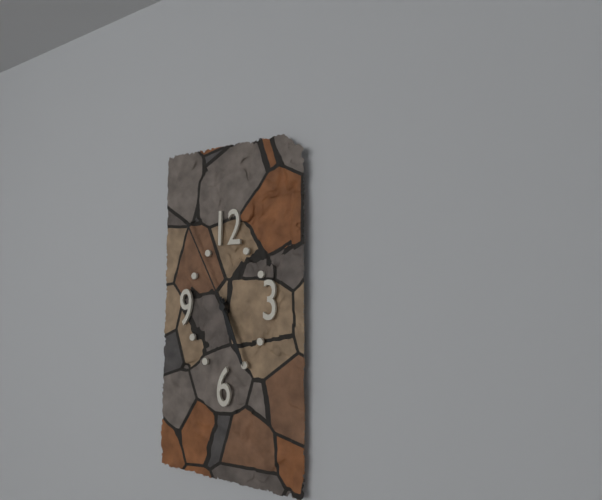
5:26:55
